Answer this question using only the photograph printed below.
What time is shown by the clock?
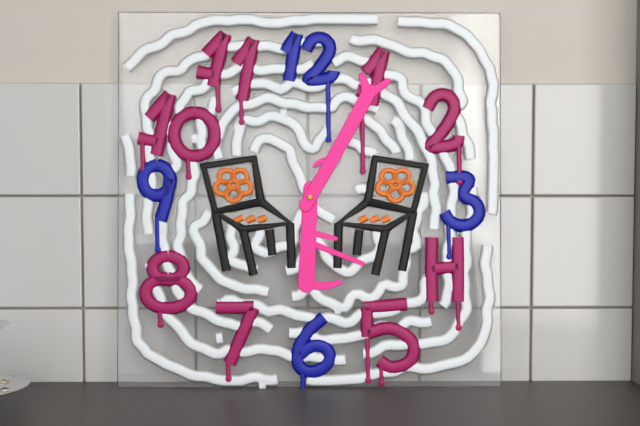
6:05
